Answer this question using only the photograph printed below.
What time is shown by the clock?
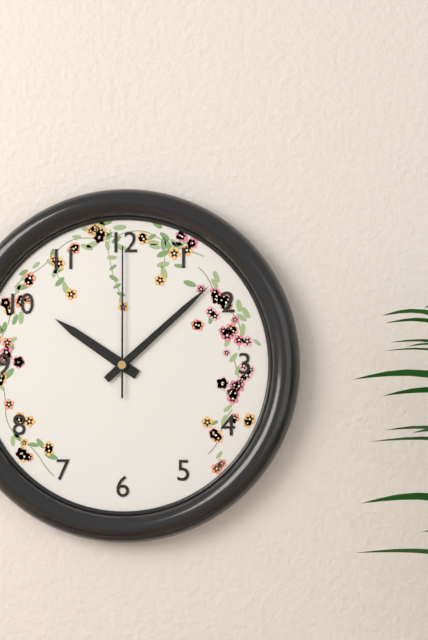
10:08:00
